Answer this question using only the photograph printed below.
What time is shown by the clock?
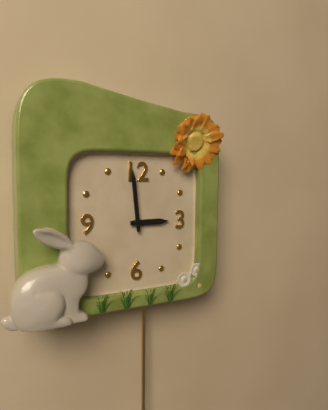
2:59
